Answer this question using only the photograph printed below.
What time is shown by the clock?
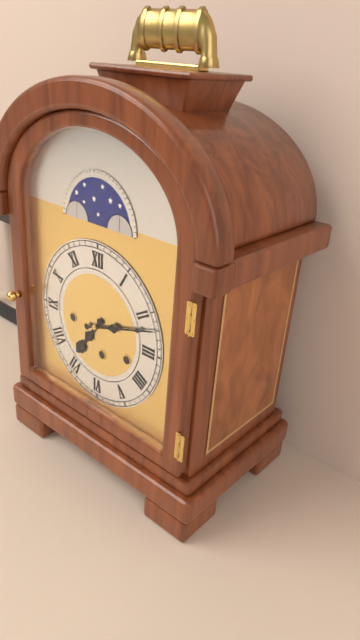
7:12
